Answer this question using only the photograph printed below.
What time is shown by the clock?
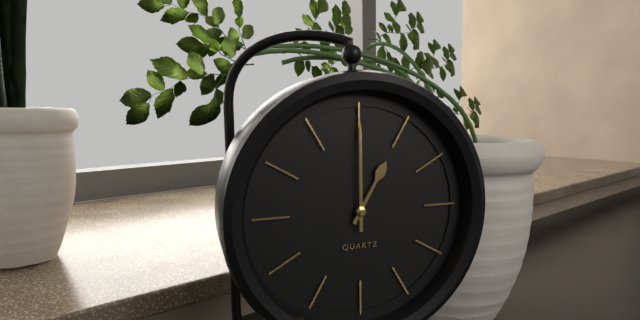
1:00
